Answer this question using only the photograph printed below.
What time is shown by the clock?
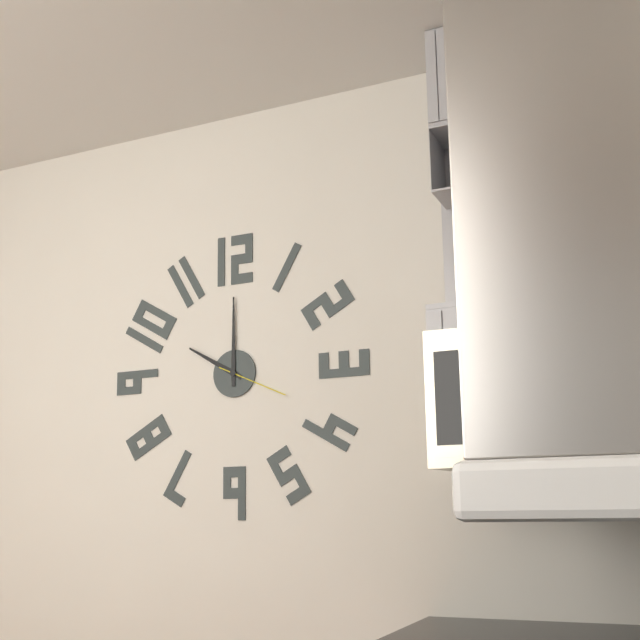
10:00:19
